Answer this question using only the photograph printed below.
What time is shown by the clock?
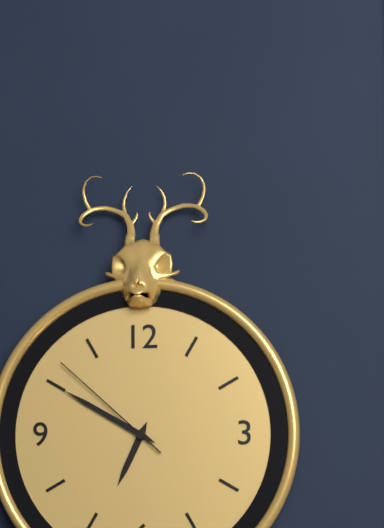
6:50:52
